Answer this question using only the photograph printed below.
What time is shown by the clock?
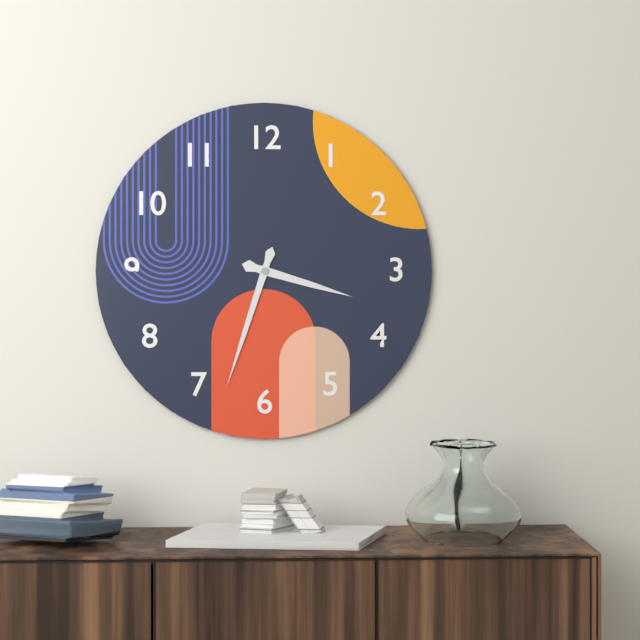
3:33
